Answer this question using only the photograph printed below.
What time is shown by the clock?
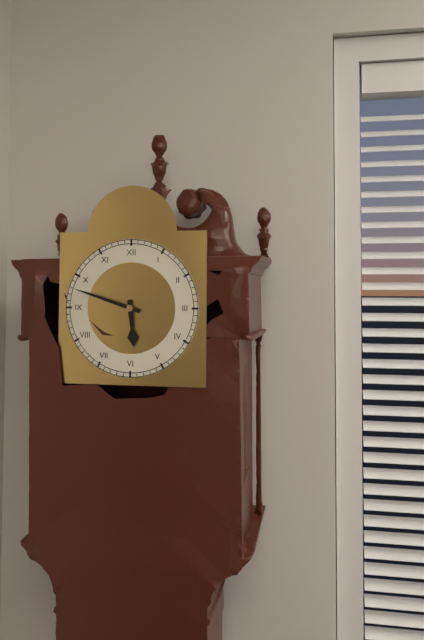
5:48
